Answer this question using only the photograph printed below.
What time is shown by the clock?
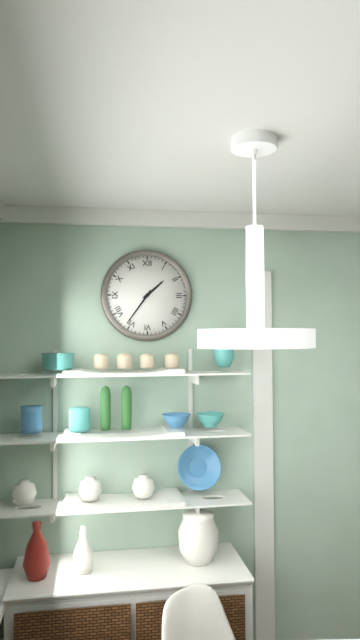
1:36
